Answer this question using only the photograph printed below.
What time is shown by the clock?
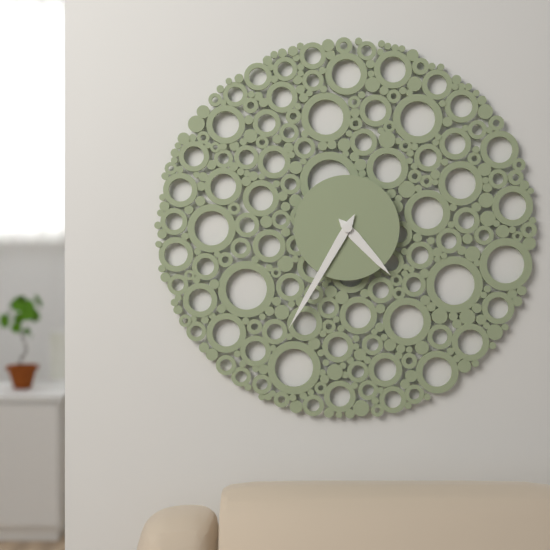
4:35
